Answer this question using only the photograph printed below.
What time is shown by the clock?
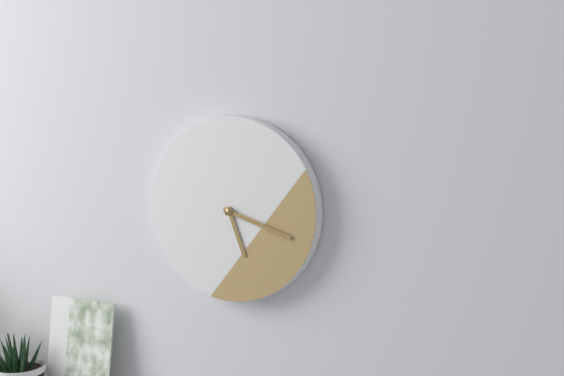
5:18
